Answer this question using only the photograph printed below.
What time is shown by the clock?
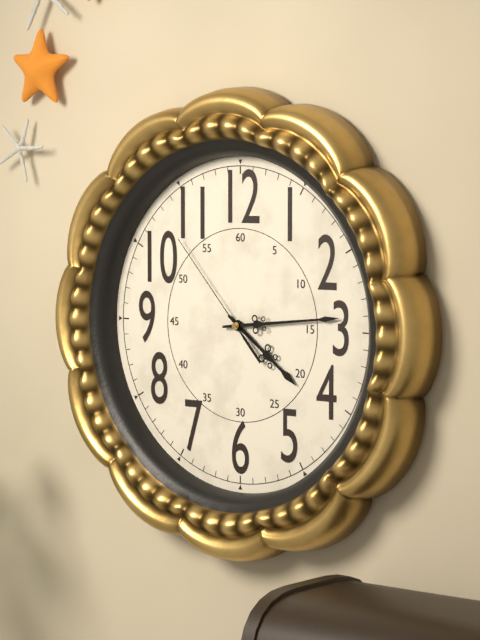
4:14:53
